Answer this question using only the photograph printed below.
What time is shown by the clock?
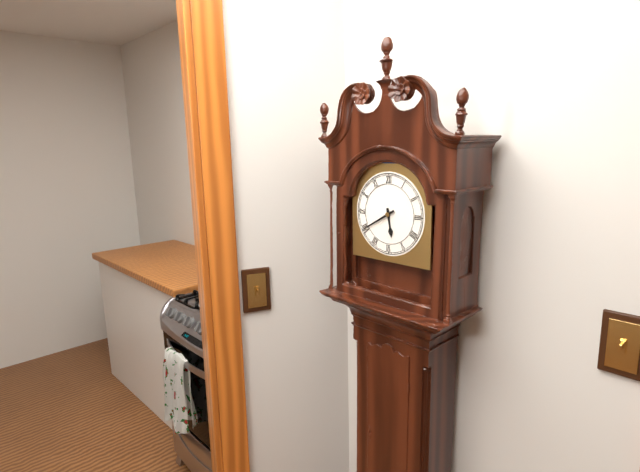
5:40
